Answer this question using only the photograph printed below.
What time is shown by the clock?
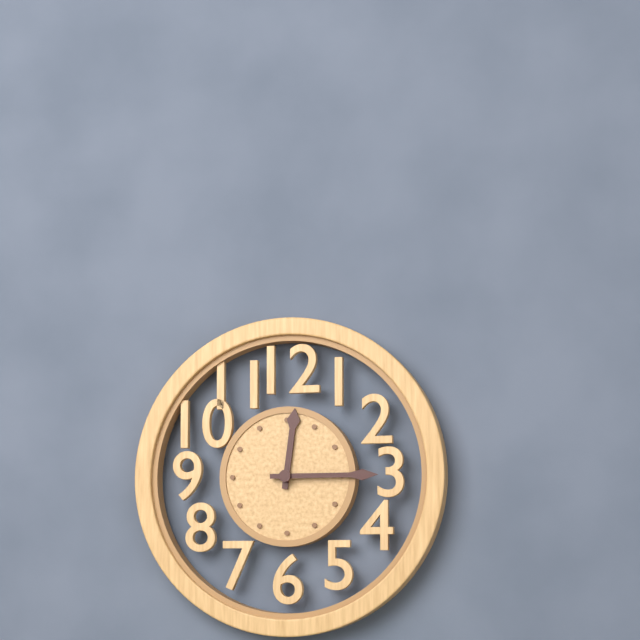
12:15
